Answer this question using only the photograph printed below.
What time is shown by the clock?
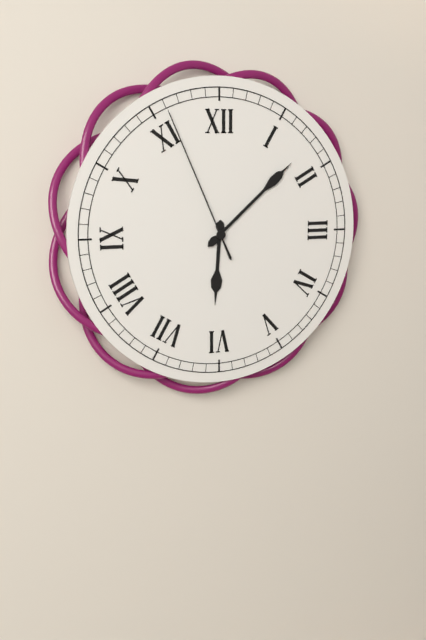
6:08:56
